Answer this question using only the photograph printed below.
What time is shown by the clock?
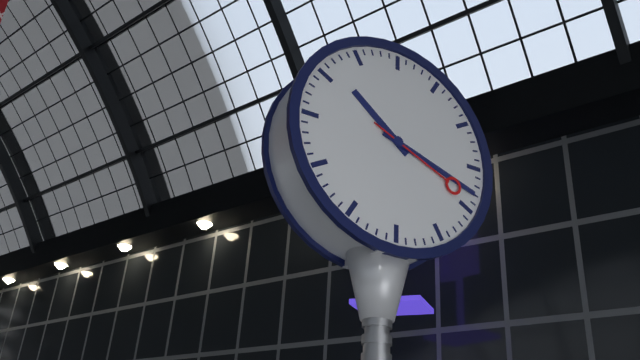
10:18:19
